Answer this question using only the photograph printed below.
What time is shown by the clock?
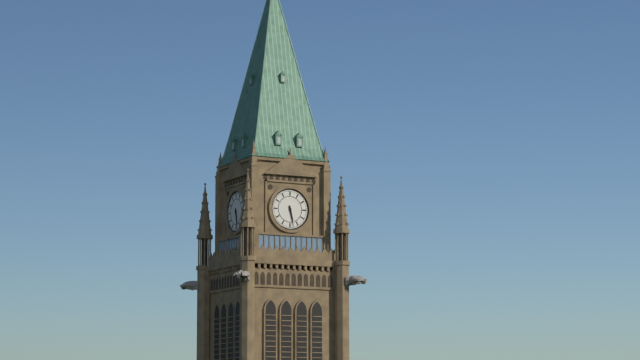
5:28
